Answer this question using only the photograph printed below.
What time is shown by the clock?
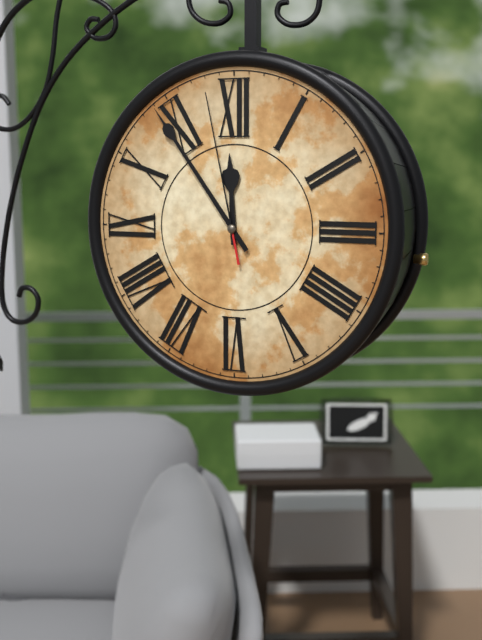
11:54:58
